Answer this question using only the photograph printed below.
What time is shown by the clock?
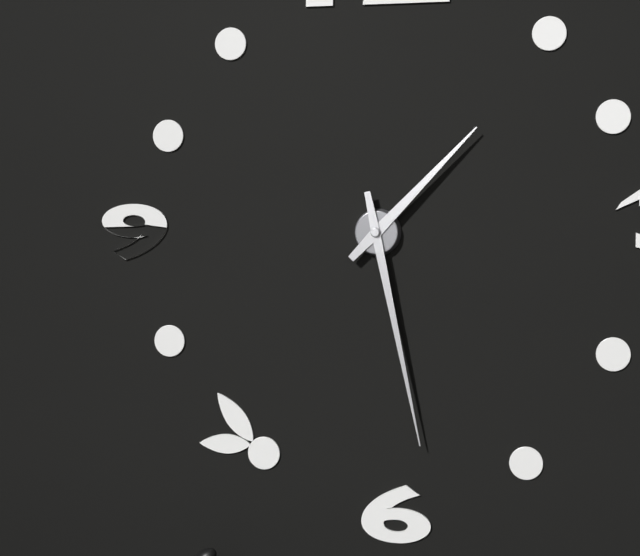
1:28
